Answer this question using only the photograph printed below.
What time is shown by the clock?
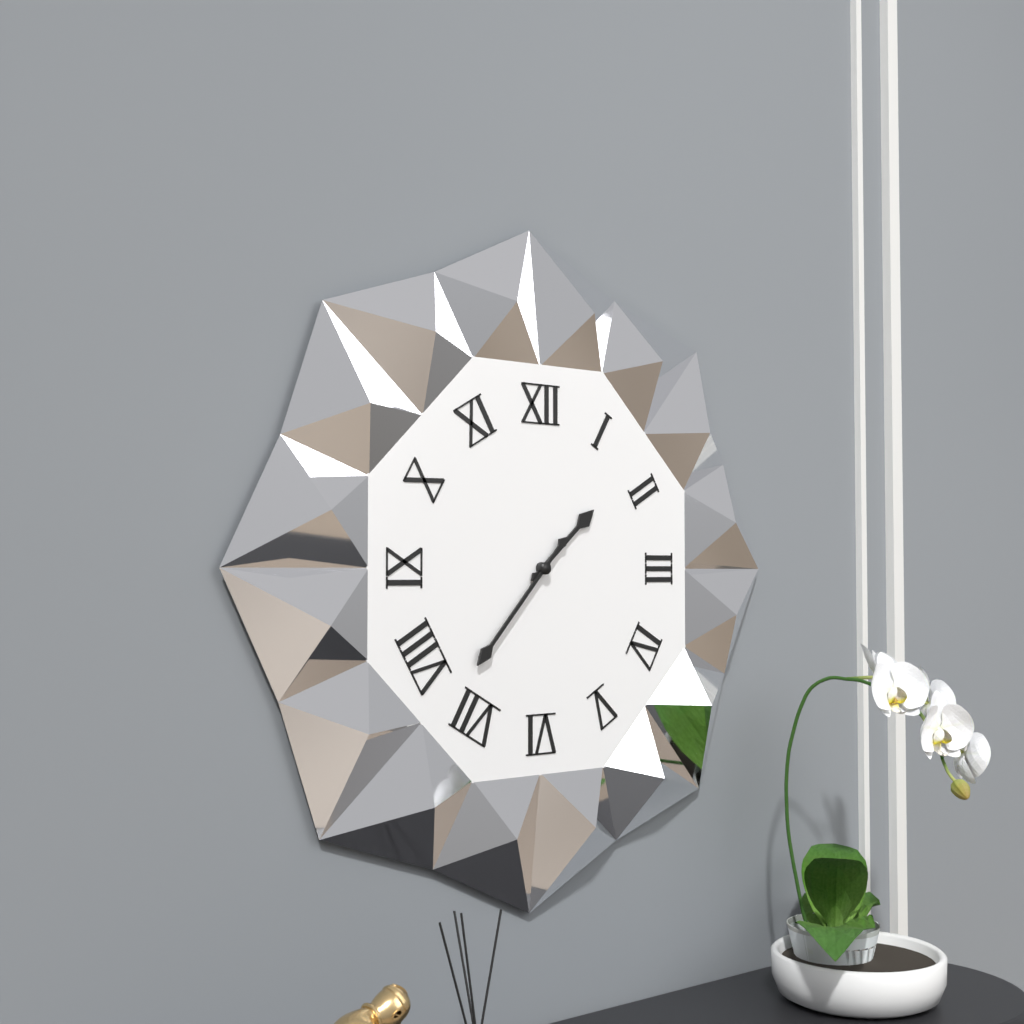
1:37
